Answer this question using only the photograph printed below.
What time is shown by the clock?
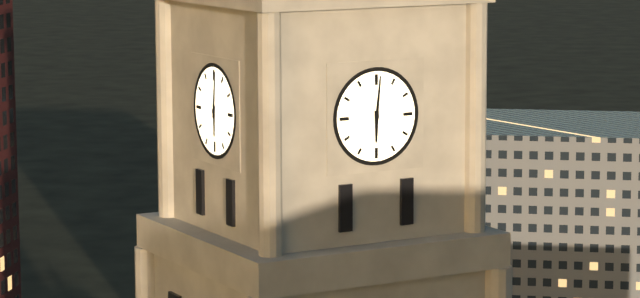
6:01
